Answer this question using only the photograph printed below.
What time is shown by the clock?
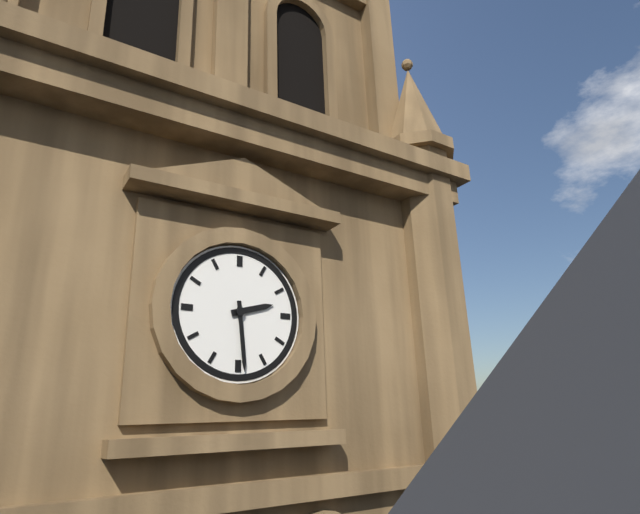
2:29
